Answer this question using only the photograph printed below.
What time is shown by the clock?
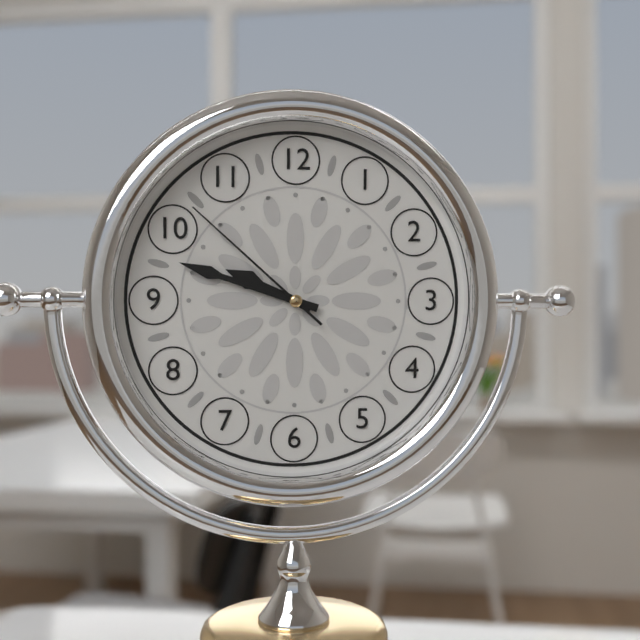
9:48:52
